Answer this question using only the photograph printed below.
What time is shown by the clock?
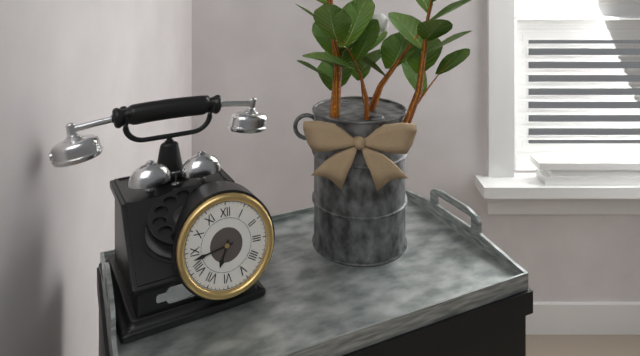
6:43
